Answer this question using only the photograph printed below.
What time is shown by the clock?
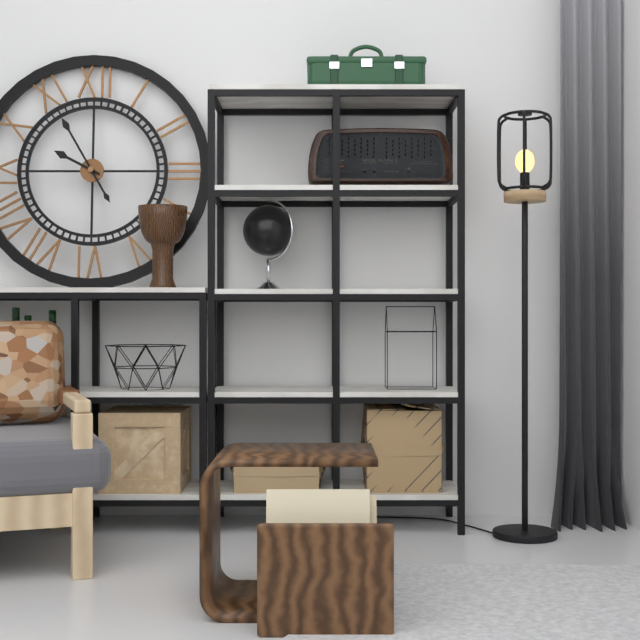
9:55
